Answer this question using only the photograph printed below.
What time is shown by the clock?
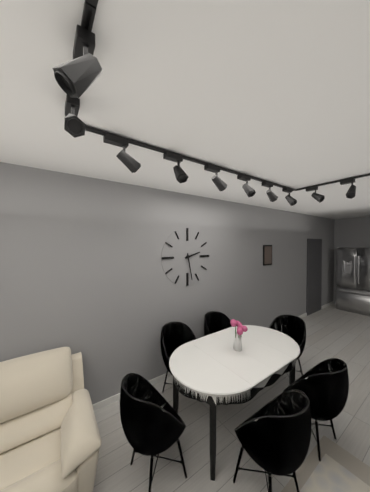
2:28
